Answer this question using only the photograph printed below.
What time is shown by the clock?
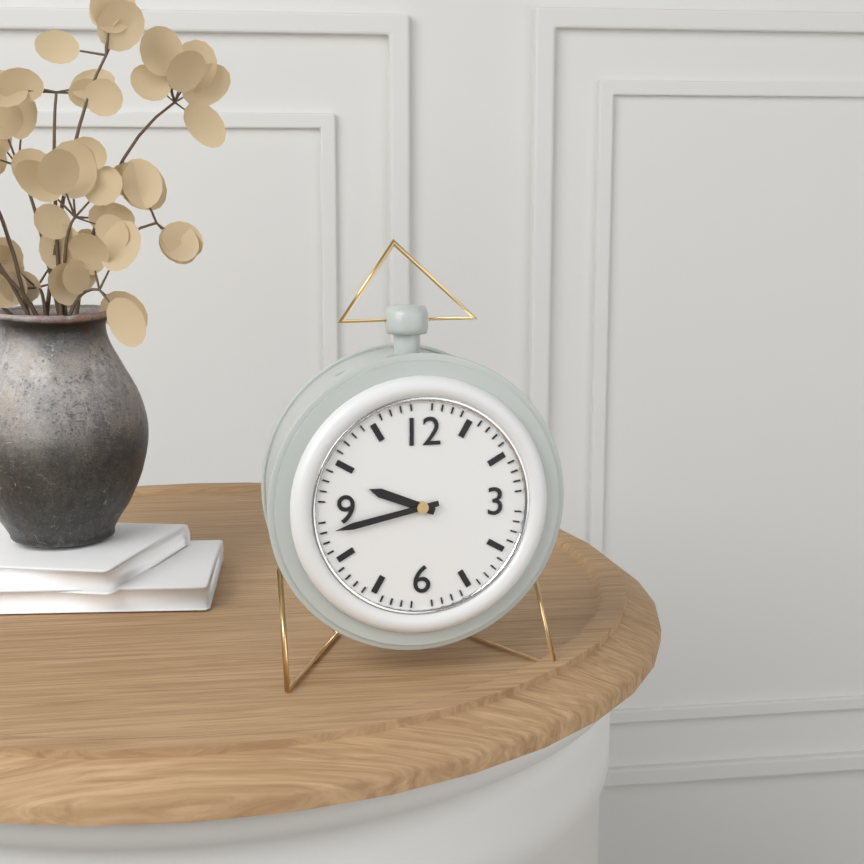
9:43
